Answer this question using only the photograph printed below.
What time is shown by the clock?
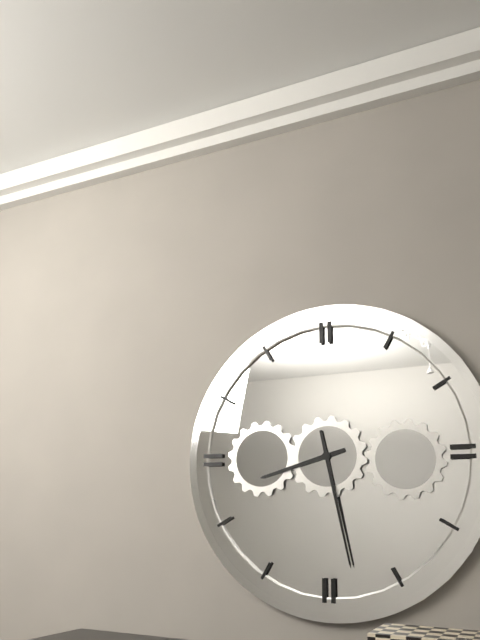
8:28
